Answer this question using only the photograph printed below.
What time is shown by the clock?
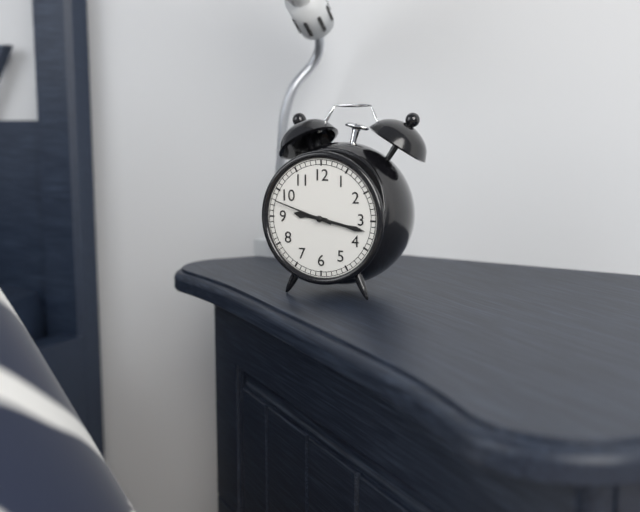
9:17:48
